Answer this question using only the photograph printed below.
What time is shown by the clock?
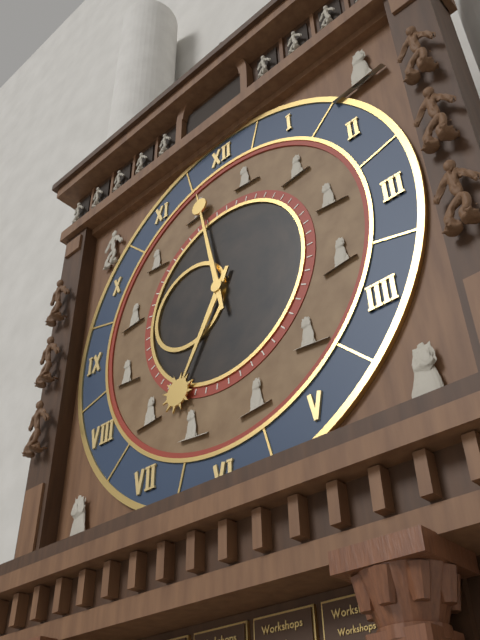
6:58
